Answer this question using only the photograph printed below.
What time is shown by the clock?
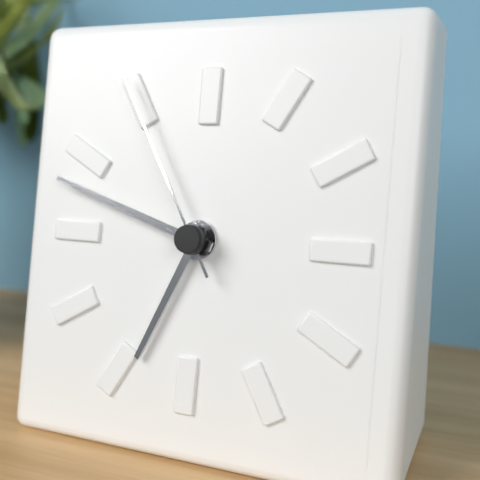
6:48:55
